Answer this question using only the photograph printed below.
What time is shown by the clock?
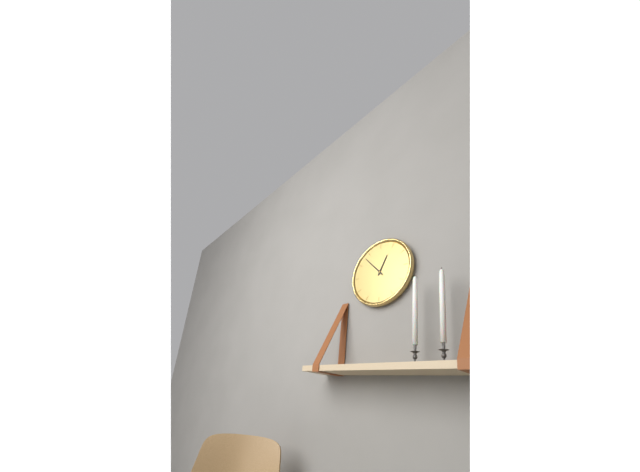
12:53
